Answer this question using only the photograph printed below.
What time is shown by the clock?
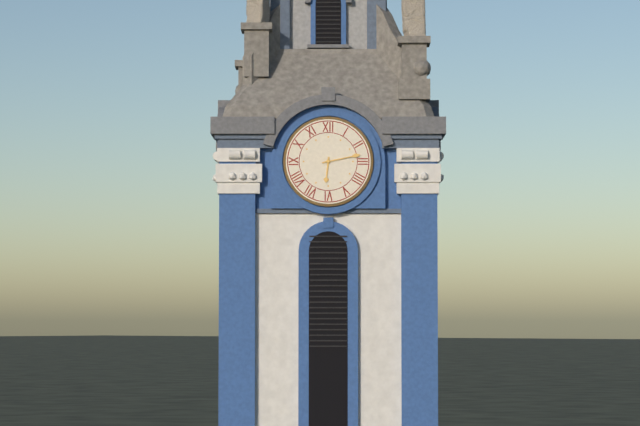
6:13
